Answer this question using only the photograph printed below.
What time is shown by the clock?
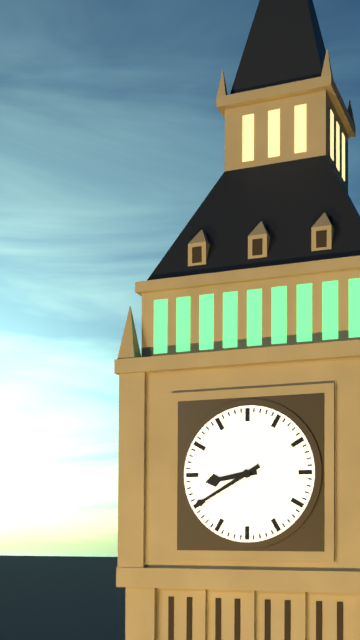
8:40
